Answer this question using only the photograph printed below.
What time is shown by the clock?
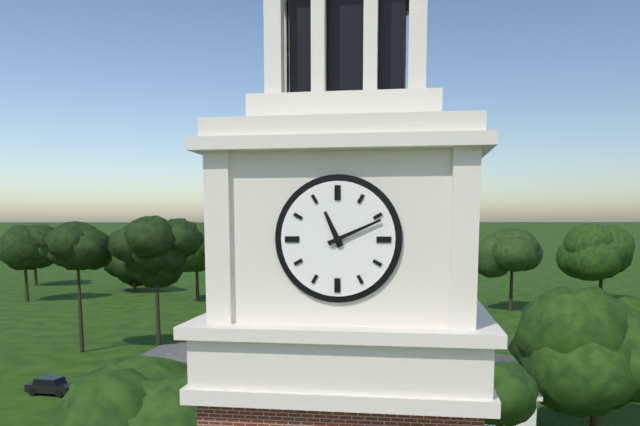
11:11
